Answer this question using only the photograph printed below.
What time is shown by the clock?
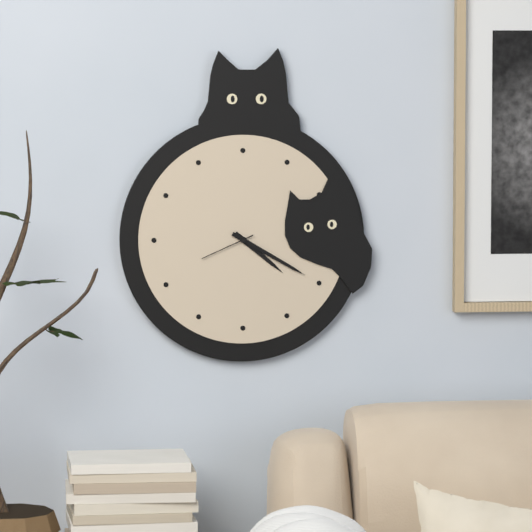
4:20:41
